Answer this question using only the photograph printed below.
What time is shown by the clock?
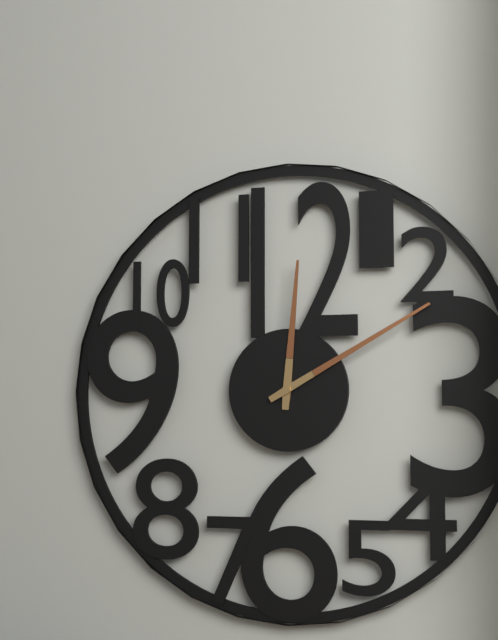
12:10
